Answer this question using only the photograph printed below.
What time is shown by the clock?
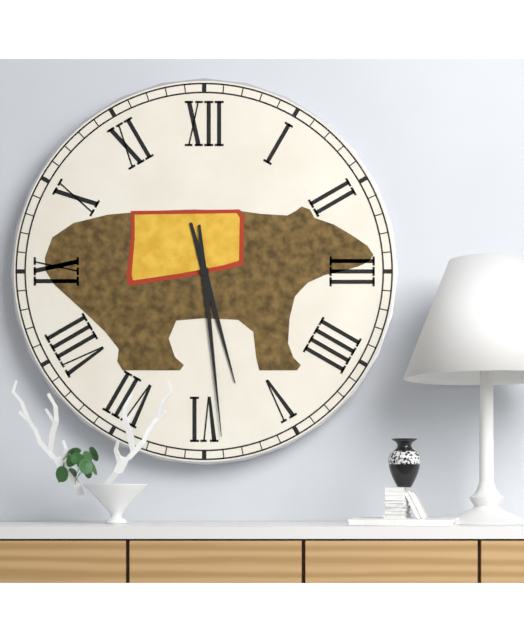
5:29
